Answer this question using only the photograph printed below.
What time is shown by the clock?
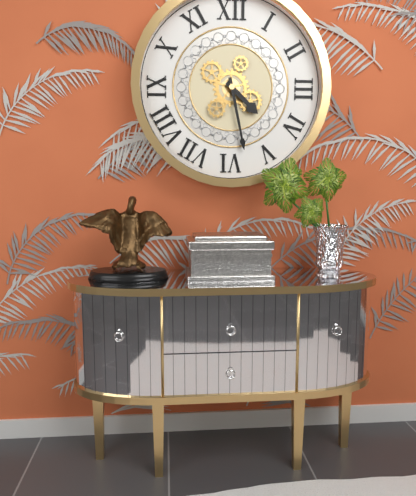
4:28
